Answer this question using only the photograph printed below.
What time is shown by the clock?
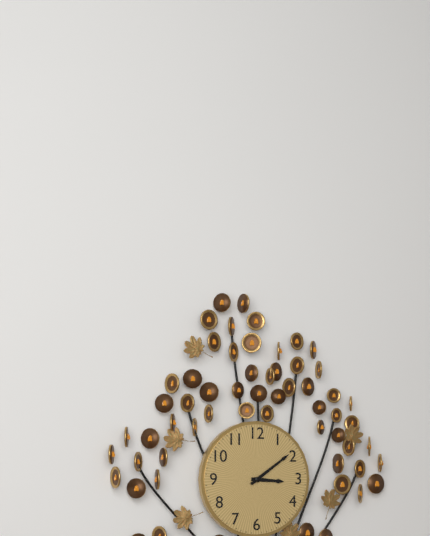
3:09
